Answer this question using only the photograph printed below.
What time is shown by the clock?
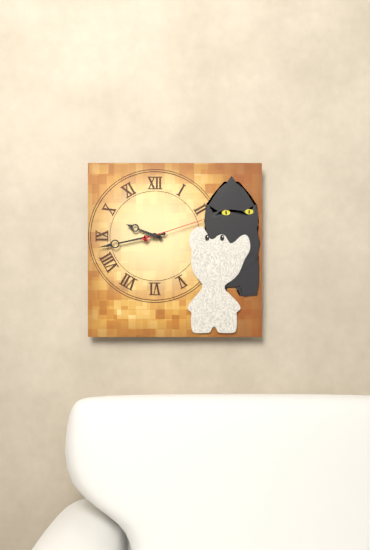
9:43:12
